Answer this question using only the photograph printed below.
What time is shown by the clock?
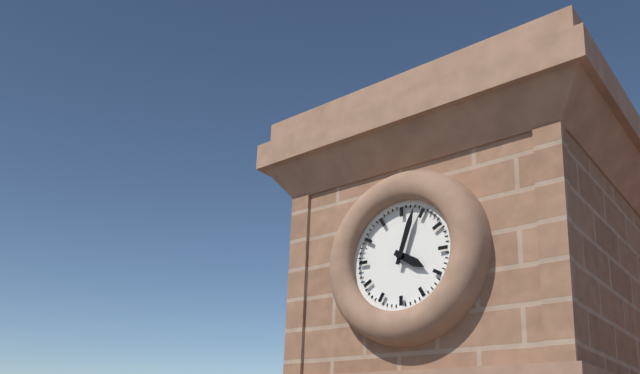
4:03
